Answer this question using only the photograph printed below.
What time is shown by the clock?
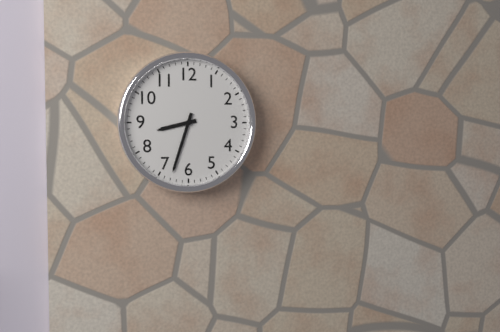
8:33
